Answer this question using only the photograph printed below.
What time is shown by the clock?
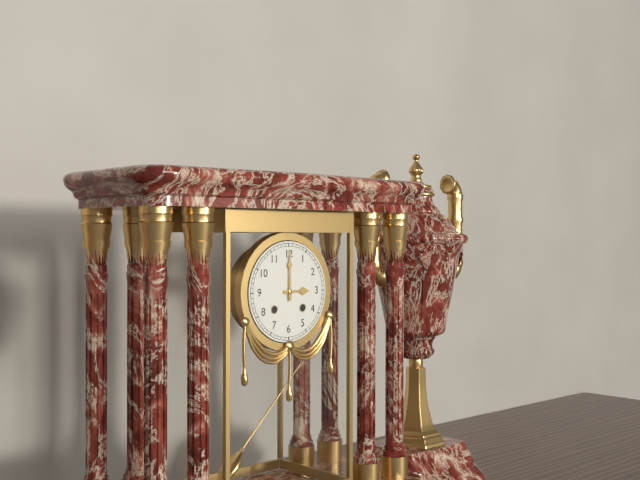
3:00
